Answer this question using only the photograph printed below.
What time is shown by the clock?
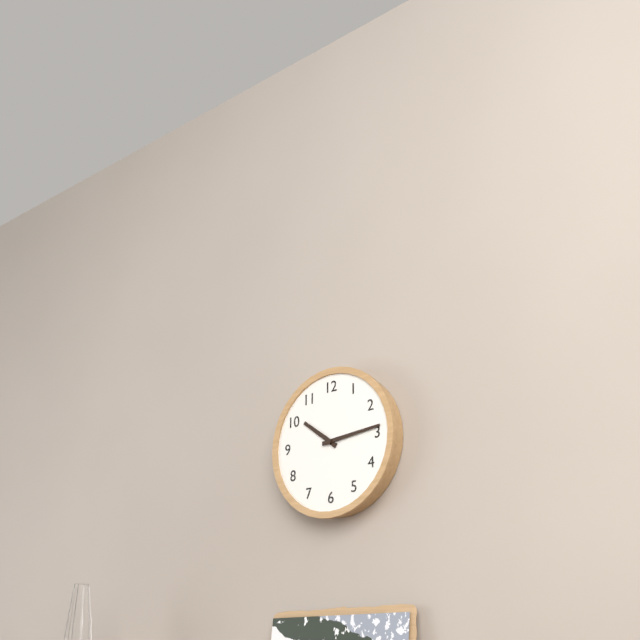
10:14
